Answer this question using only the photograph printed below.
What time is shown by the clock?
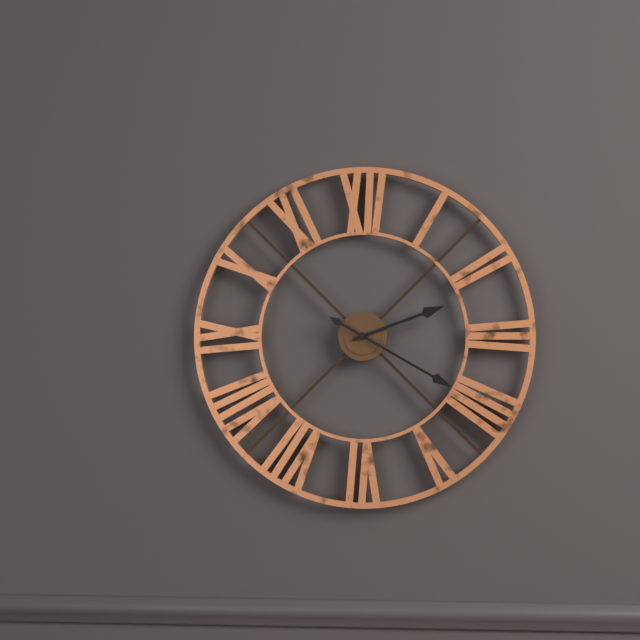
2:20
